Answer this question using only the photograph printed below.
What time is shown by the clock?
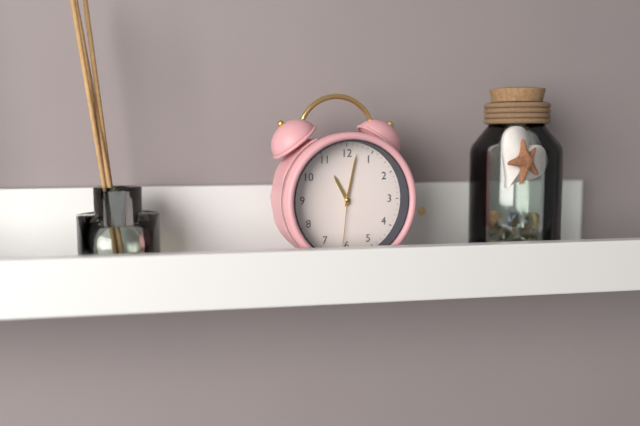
11:02:31
